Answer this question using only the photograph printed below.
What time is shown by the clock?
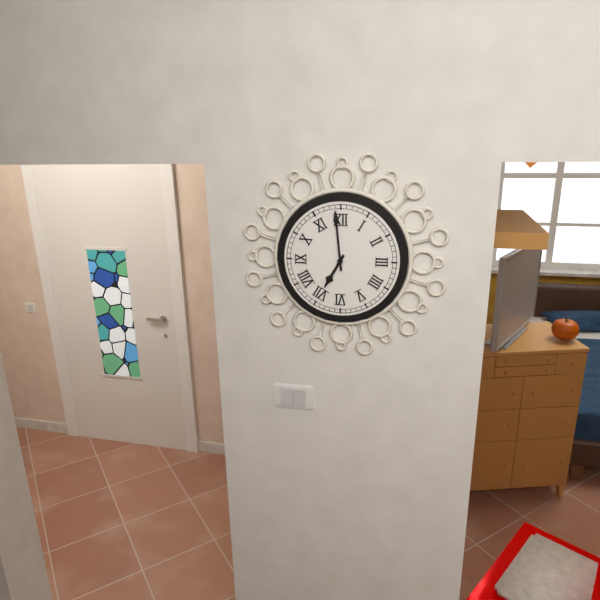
6:59
